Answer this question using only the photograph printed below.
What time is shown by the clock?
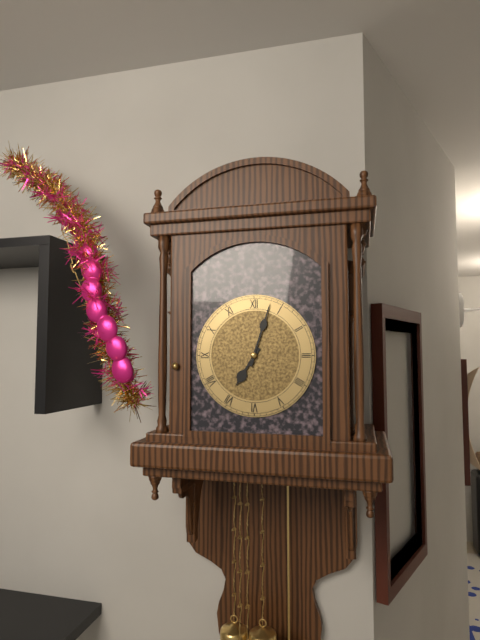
7:03
